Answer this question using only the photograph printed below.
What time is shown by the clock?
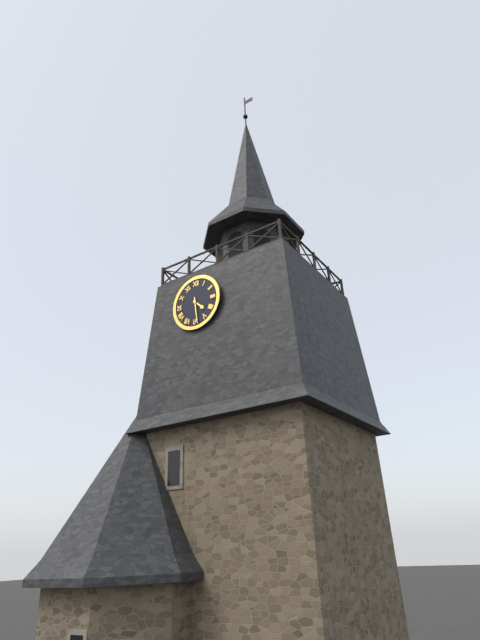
4:29
